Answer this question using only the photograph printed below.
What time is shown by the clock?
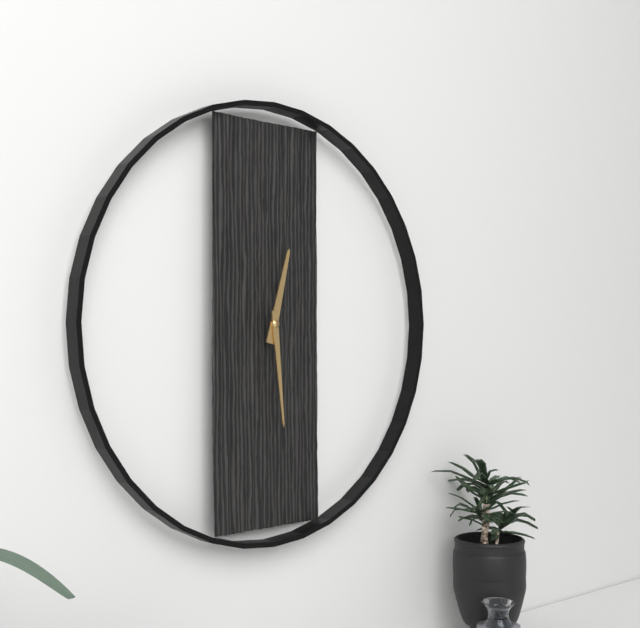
12:29
